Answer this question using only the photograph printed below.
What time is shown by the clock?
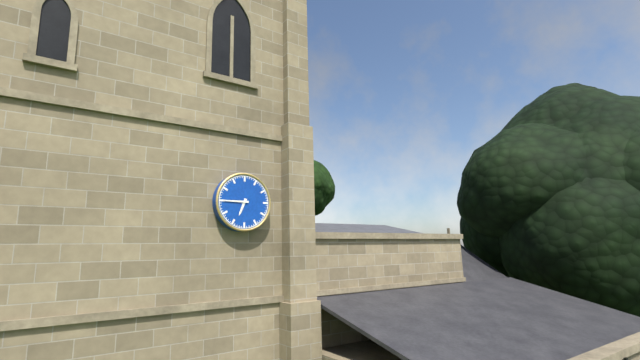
6:45
